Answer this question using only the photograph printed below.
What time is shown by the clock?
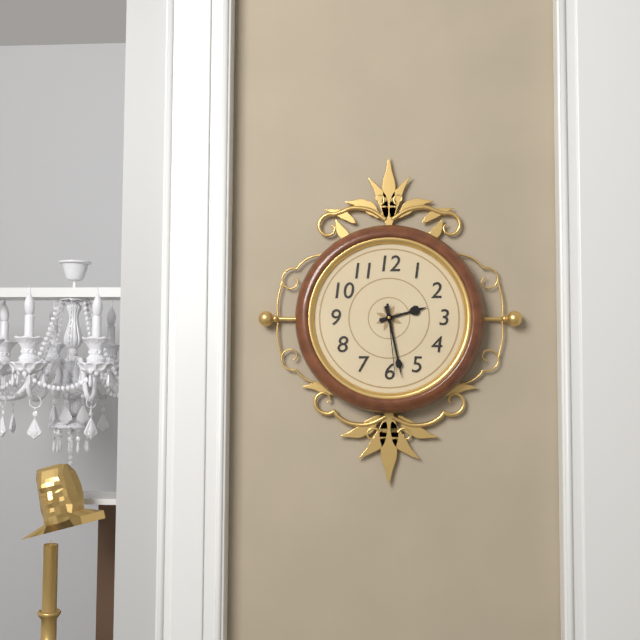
2:28:29
